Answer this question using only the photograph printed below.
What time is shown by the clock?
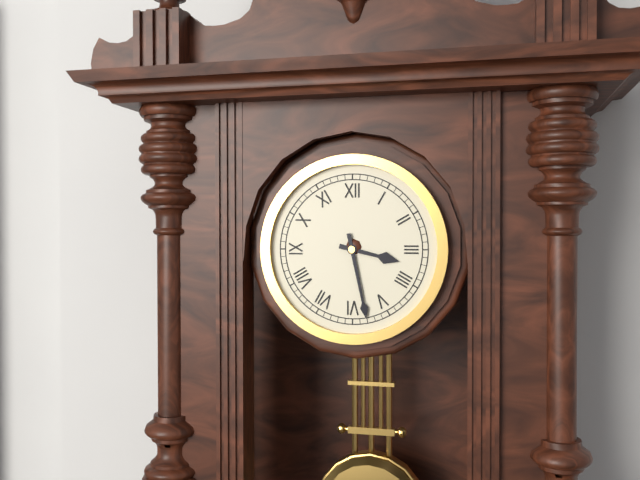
3:28
